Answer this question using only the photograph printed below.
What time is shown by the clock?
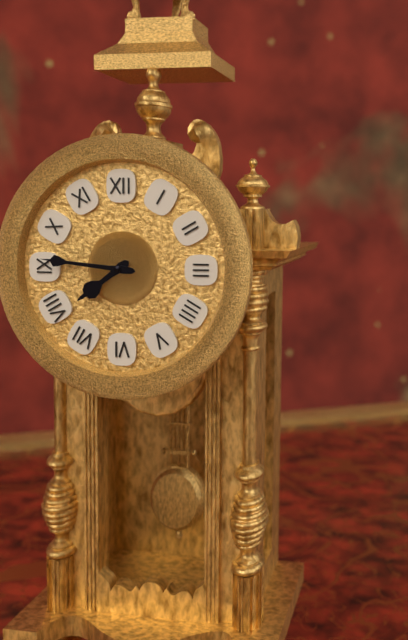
7:46
